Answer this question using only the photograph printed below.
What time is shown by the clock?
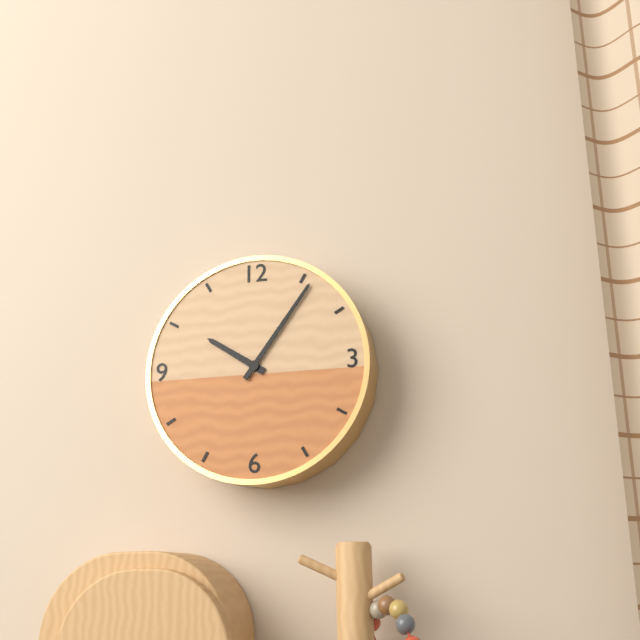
10:06
